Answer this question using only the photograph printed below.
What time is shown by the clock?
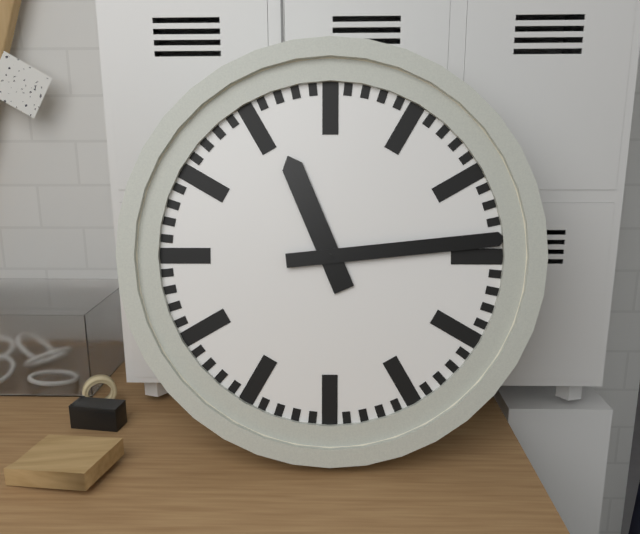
11:14
